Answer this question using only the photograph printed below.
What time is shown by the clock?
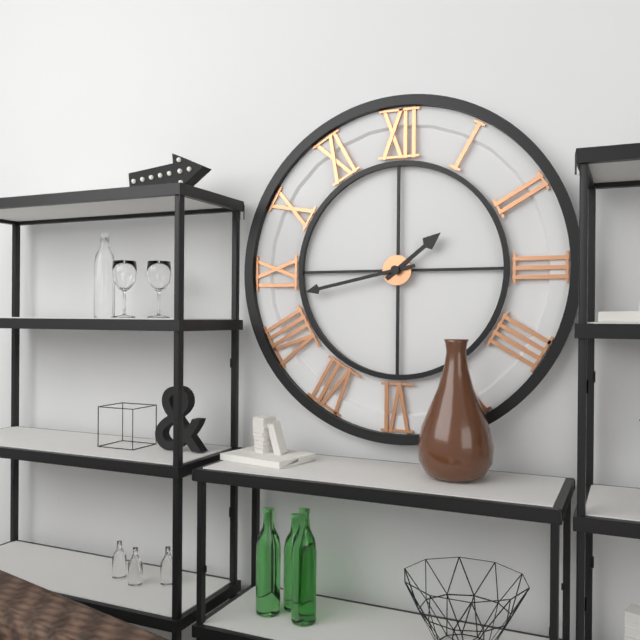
1:43
